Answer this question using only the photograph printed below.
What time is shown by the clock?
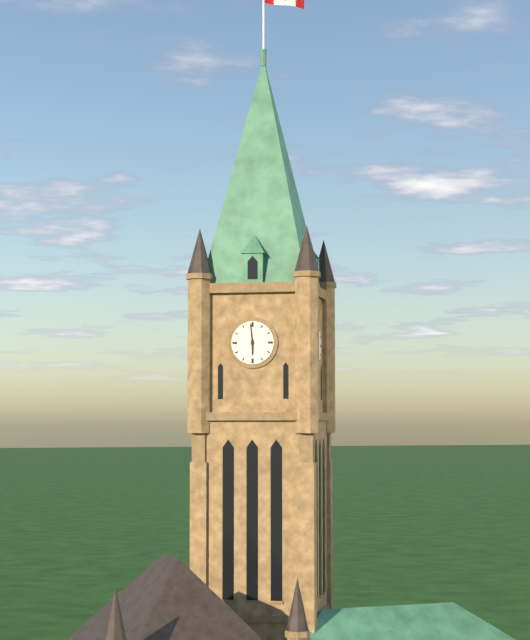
5:59
